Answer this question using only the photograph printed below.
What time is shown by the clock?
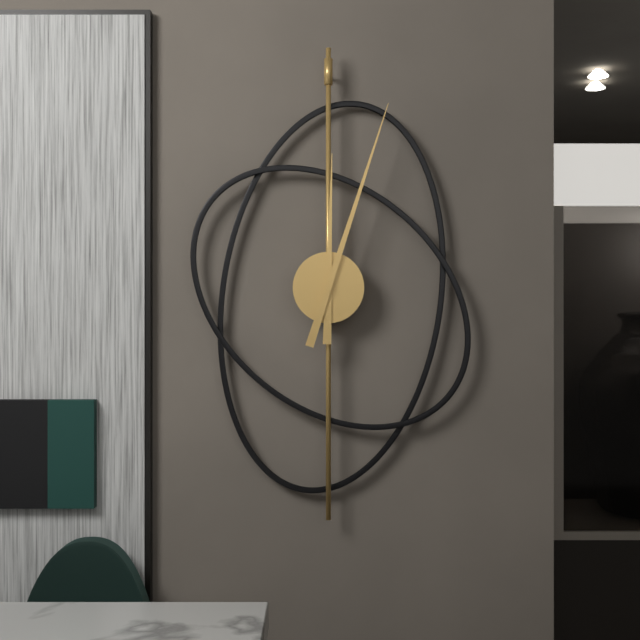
12:03
